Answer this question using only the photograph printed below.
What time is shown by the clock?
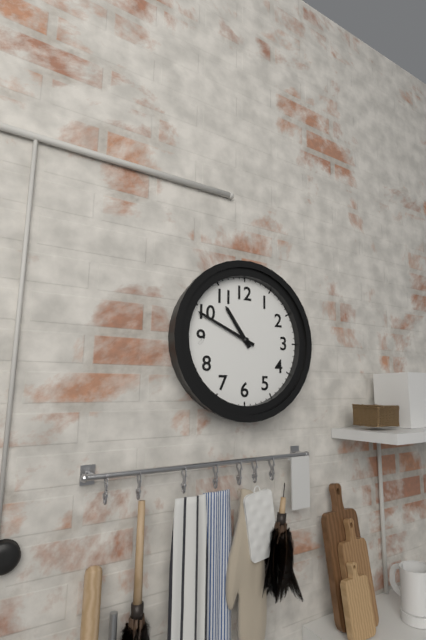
10:49
